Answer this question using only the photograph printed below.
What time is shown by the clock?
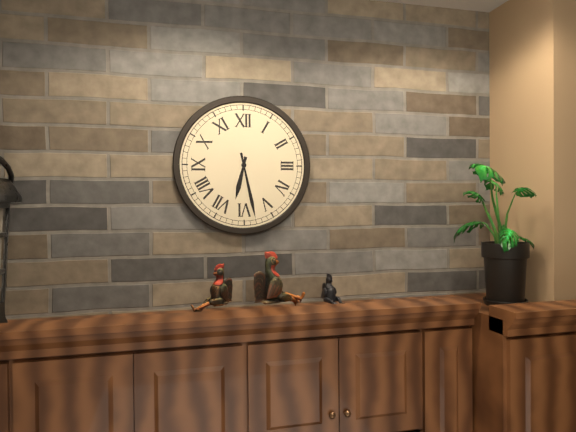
6:28
